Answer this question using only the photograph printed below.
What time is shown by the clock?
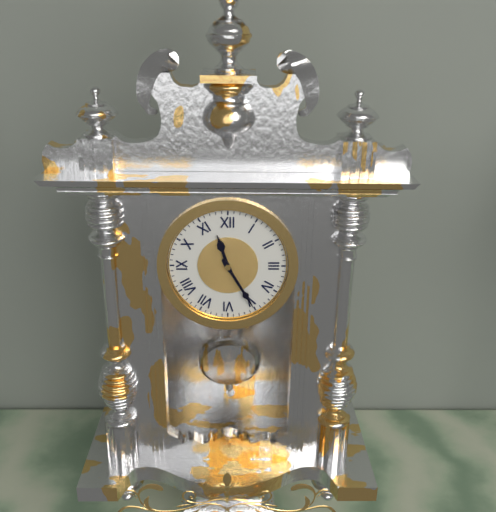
11:25
